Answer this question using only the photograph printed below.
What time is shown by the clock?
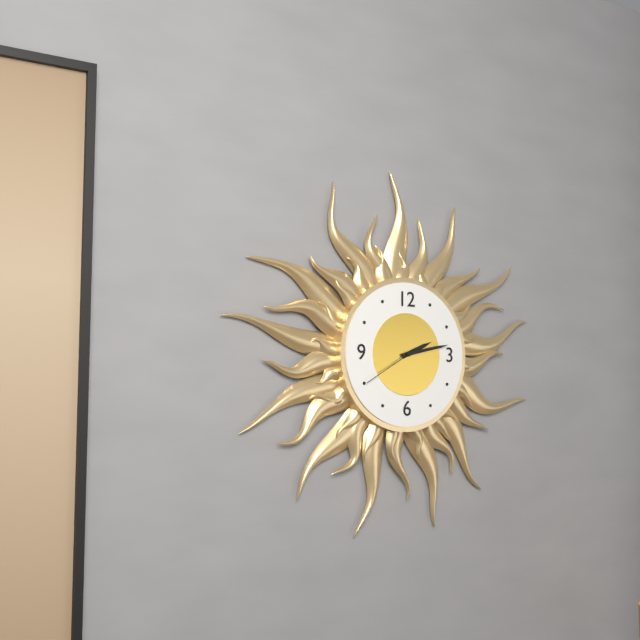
2:13:40
